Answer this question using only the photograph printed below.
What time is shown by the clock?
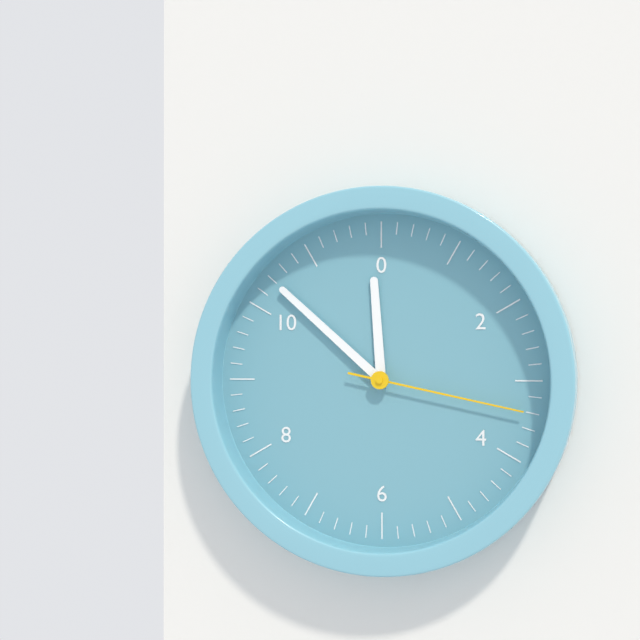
11:52:17
